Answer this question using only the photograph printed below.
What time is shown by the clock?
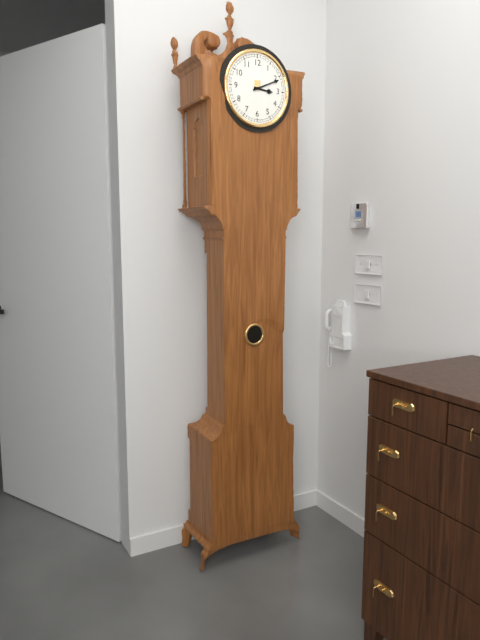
3:11
